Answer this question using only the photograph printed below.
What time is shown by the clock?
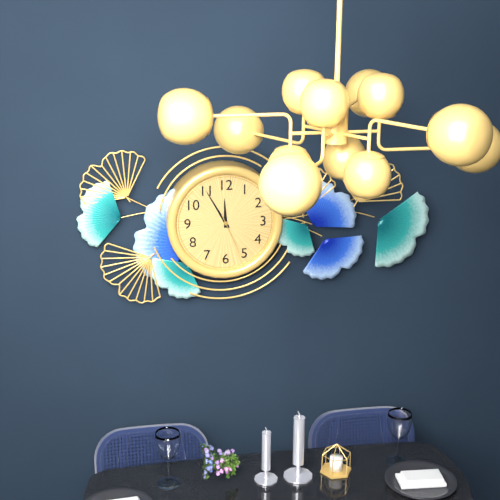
11:55:26
